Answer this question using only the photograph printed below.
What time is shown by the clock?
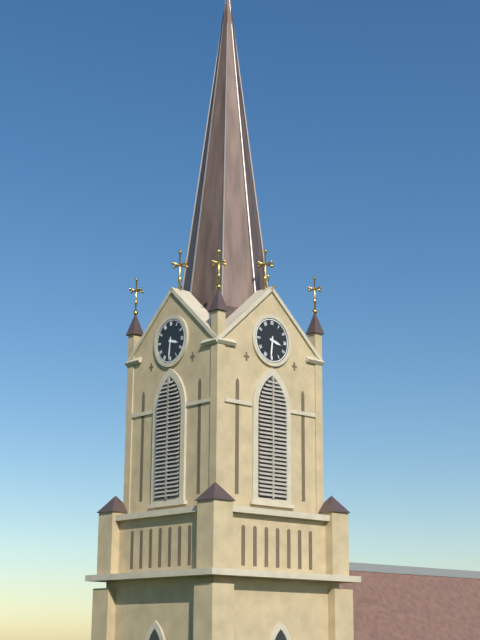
3:31
